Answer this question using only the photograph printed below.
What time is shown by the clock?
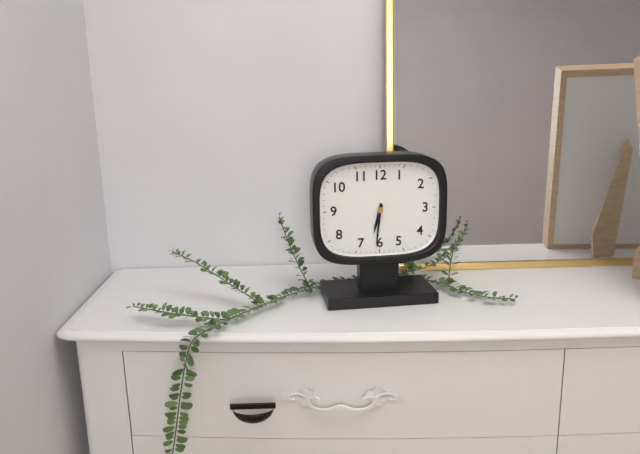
6:31
